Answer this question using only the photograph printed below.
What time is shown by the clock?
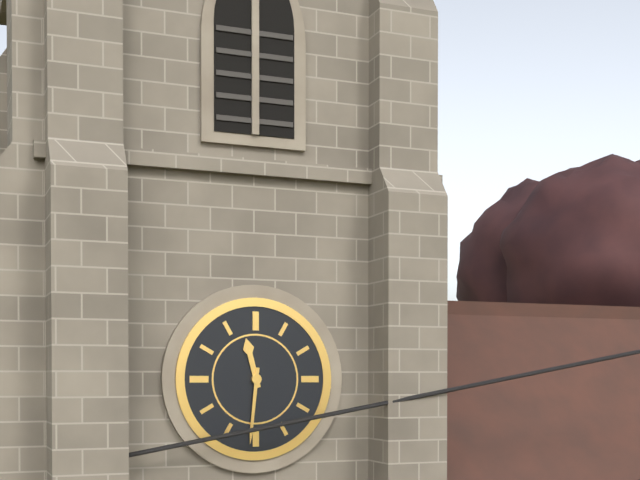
11:31
